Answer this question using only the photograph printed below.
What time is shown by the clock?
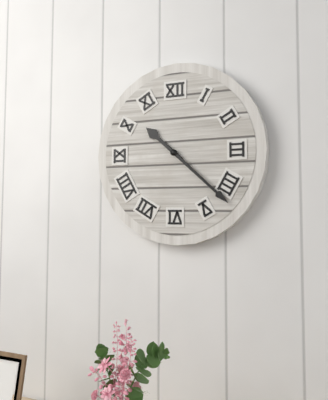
10:22
